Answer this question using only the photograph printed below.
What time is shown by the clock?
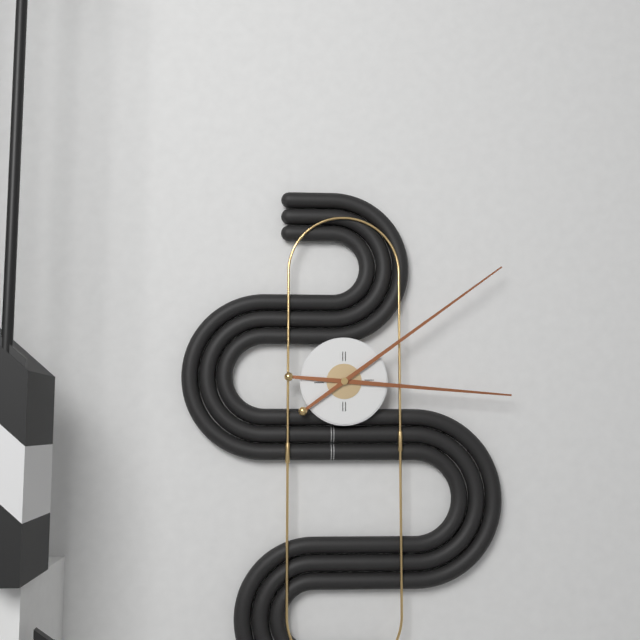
3:09
